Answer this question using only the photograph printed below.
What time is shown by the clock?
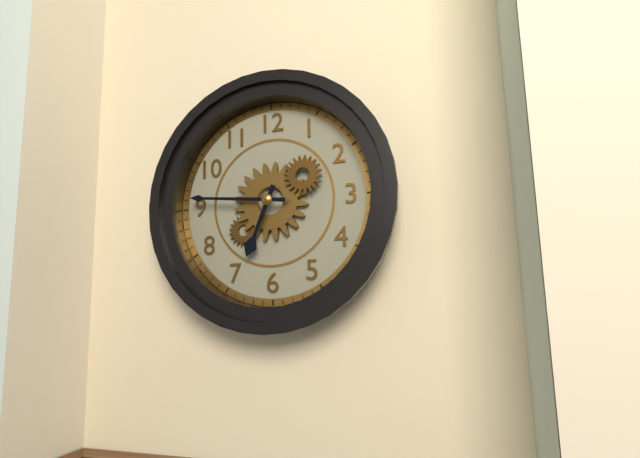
6:46
